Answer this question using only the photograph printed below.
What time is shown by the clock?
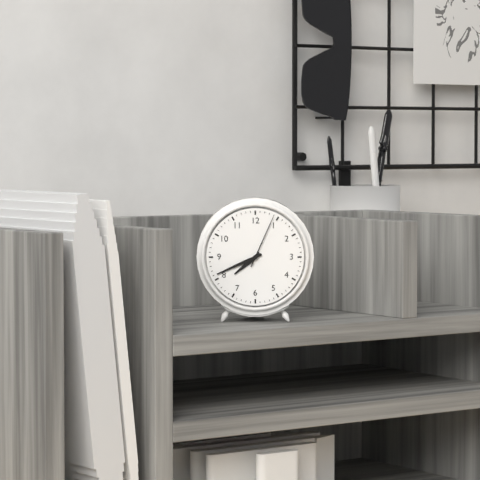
7:41:04
